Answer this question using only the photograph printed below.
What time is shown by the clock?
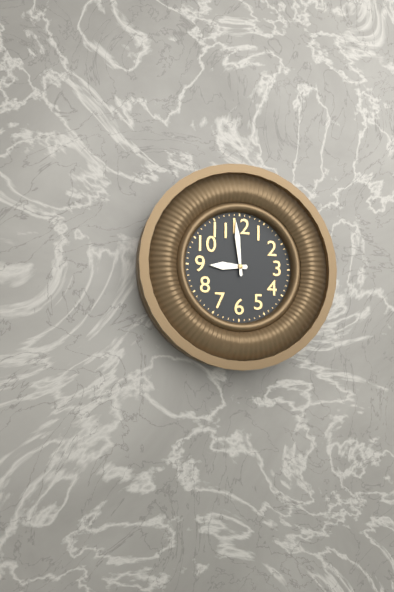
8:59
